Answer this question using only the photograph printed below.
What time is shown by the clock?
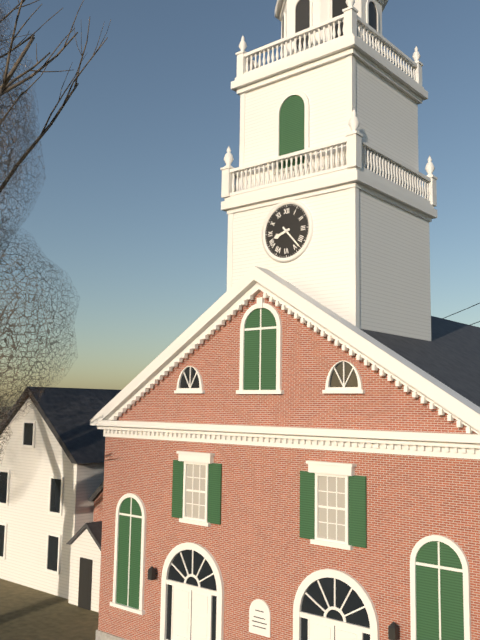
8:23
